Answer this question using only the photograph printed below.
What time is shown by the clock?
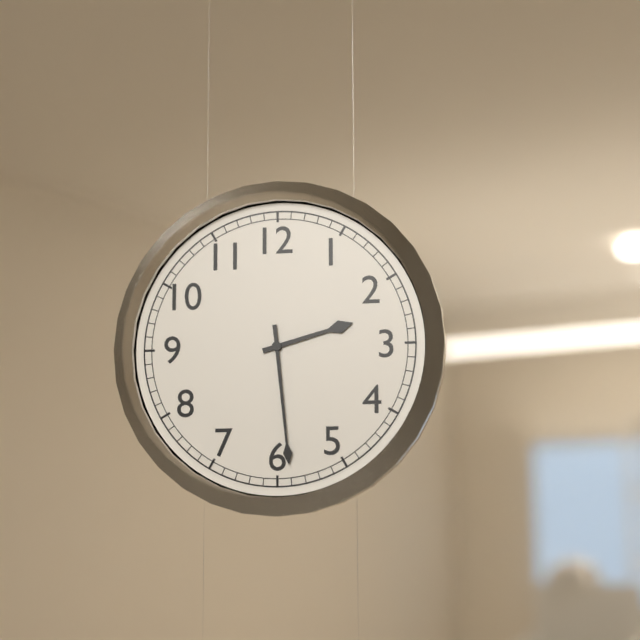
2:29
